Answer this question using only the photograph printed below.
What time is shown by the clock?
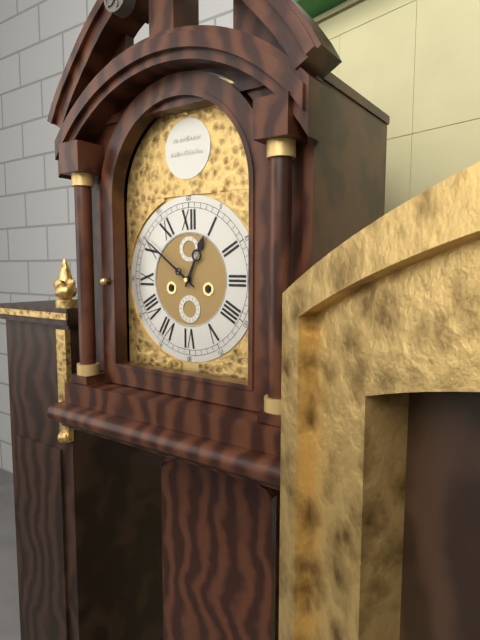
12:51
